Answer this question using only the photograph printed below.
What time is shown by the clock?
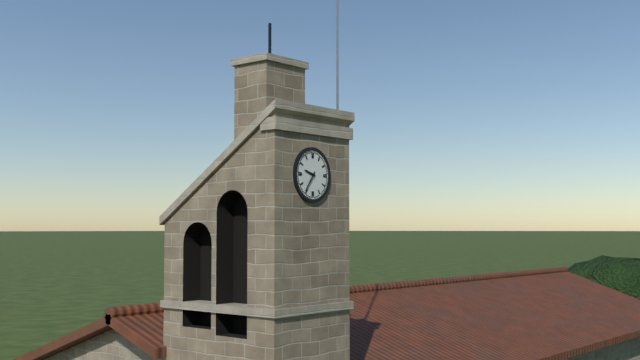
9:36
